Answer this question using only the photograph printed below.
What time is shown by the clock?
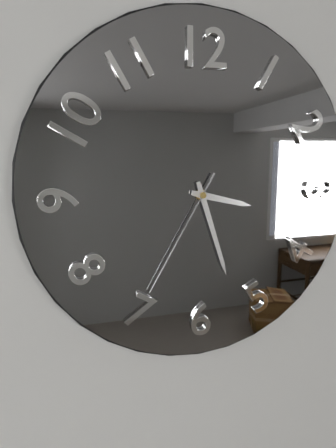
3:27:35
